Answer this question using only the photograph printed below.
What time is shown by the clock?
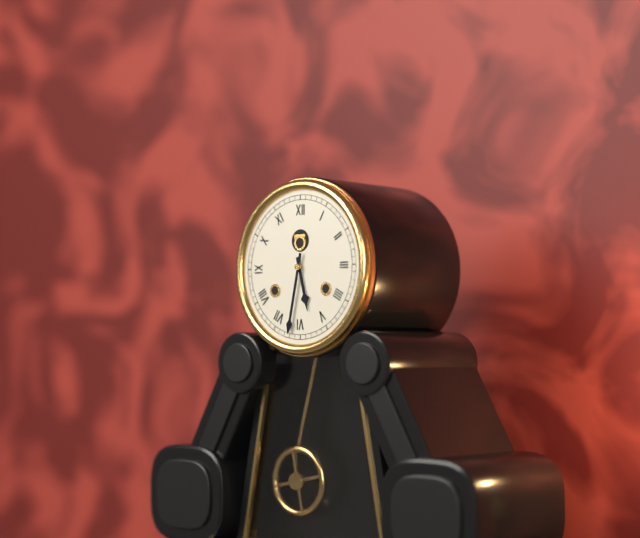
5:32
